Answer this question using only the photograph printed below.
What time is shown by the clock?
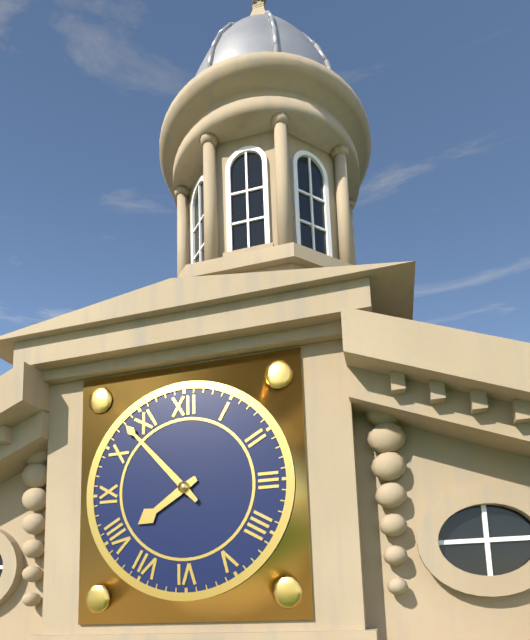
7:53
